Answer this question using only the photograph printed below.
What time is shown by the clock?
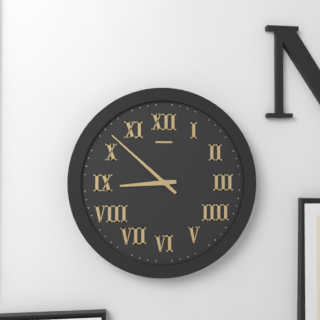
8:52
